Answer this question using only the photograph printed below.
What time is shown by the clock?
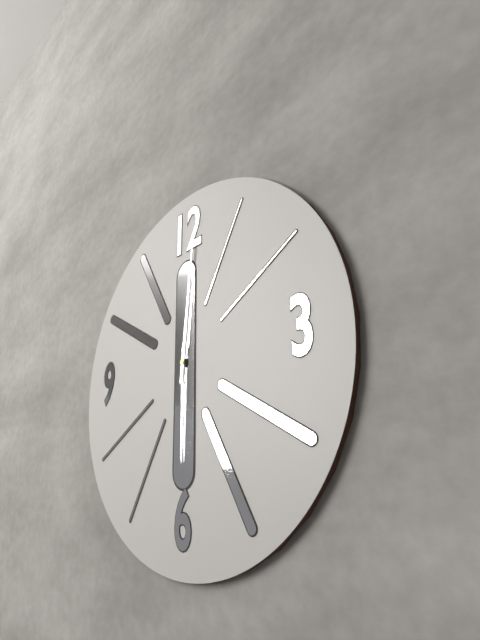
6:01
